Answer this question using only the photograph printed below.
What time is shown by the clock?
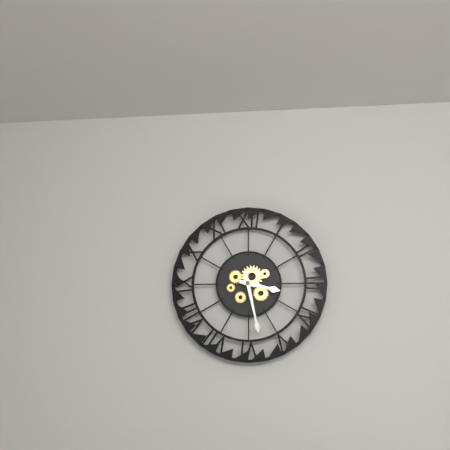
3:28
